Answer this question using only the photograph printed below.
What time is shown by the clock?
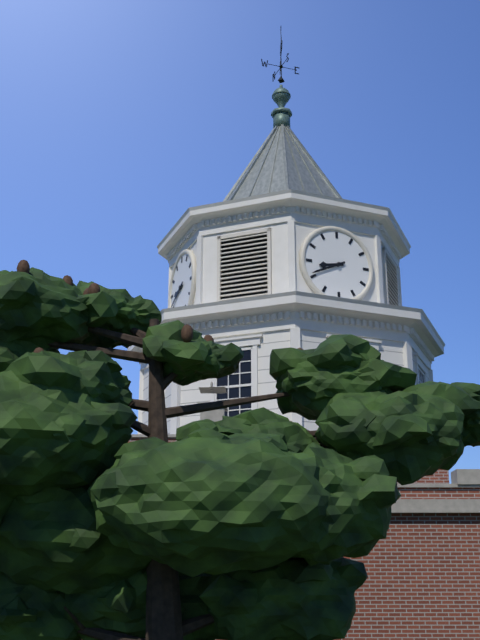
8:41
